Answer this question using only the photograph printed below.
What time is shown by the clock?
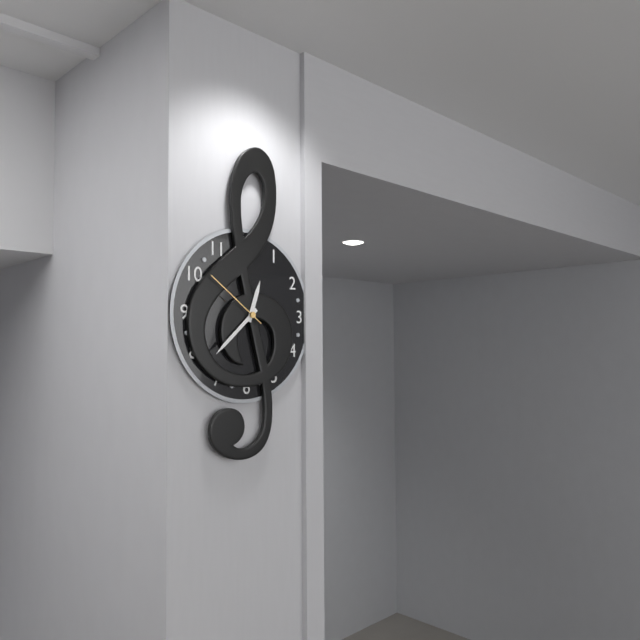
12:38:51
